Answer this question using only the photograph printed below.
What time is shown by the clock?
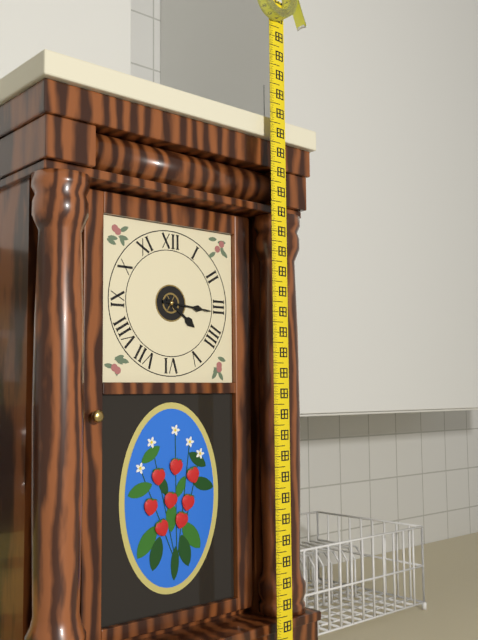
4:16
